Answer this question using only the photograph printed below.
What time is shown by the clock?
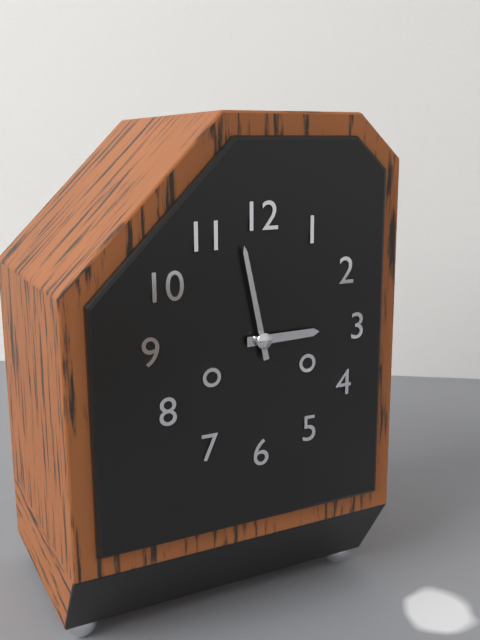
2:58
